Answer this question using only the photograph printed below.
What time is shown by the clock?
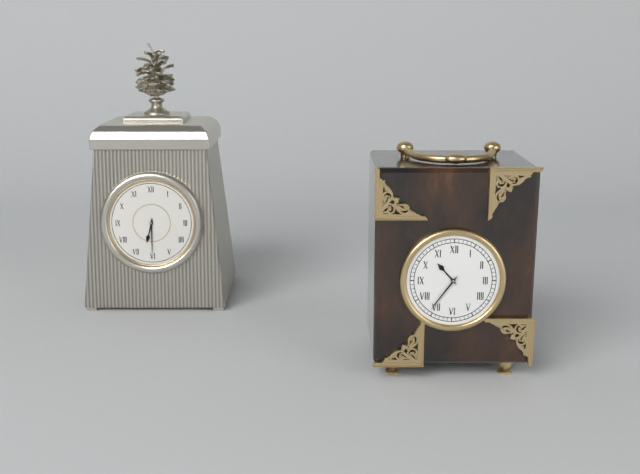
10:36
